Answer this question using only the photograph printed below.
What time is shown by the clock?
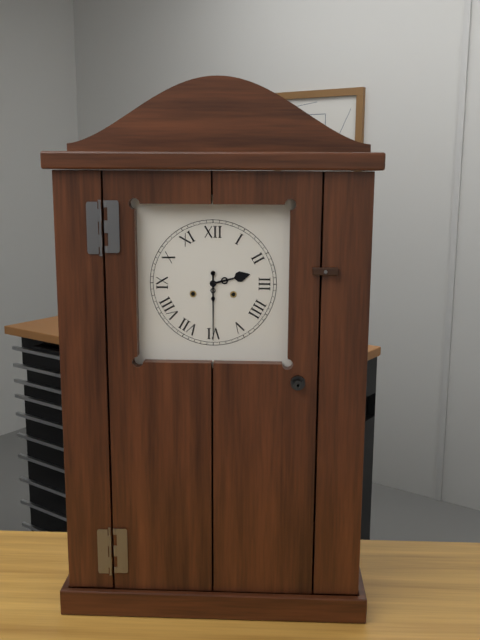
2:30
